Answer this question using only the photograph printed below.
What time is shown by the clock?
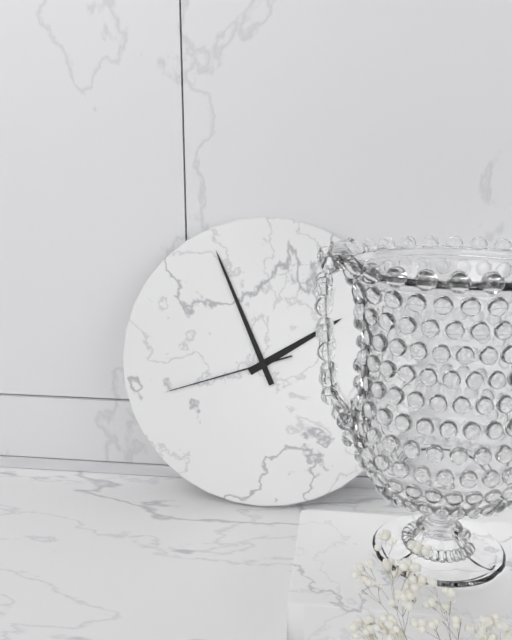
1:56:42
